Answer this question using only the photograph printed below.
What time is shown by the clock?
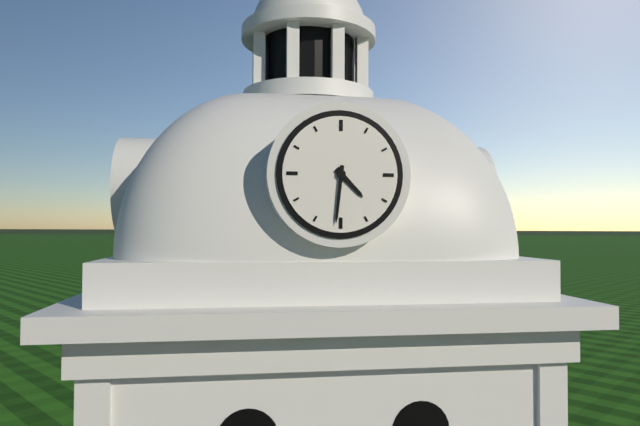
4:31
